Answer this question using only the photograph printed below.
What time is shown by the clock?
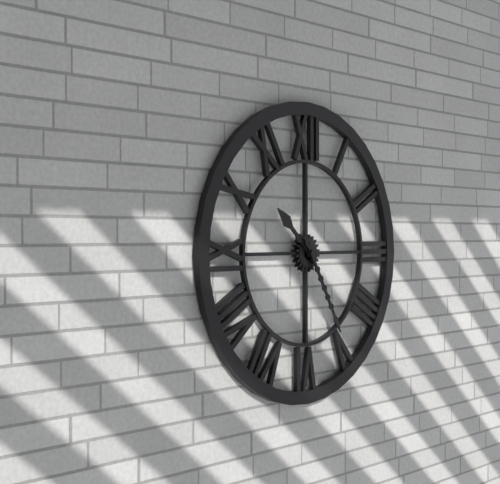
10:25
